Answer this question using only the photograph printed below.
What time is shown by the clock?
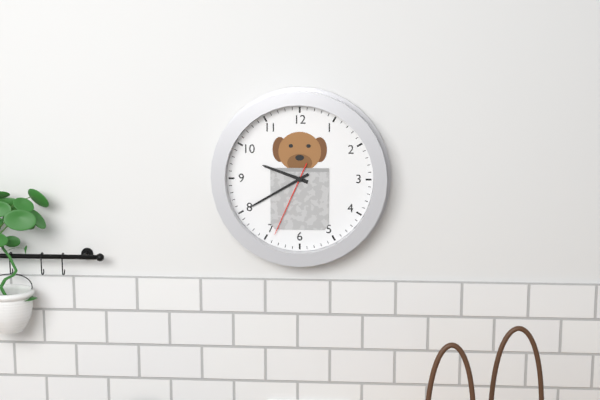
9:40:34
